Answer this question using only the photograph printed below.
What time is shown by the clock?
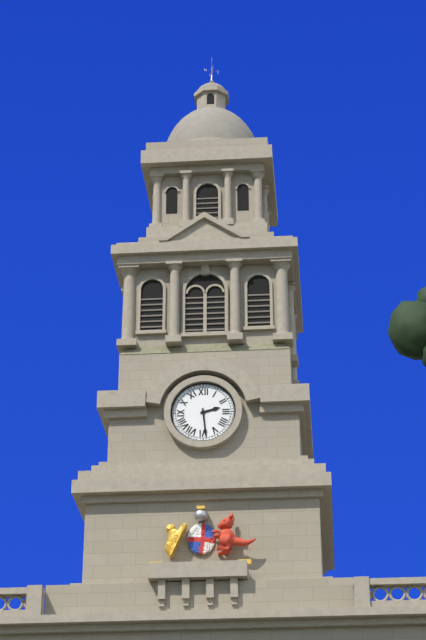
2:29
